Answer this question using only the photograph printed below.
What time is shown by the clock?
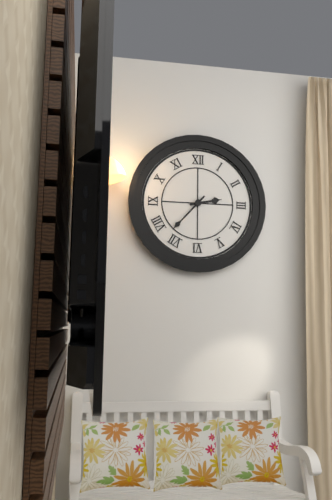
2:37
